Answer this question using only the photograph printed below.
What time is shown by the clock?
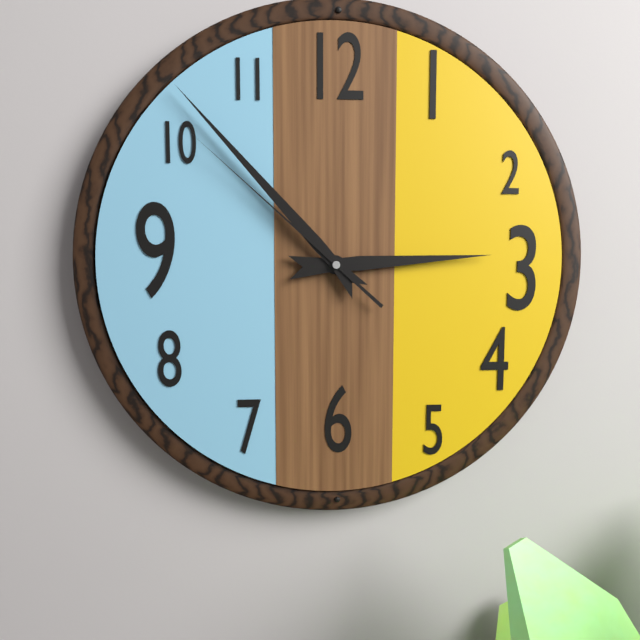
2:53:52
